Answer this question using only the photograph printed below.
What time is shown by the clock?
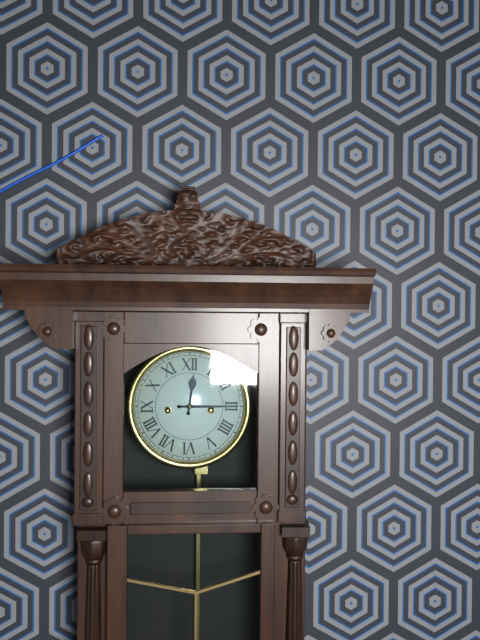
12:15
